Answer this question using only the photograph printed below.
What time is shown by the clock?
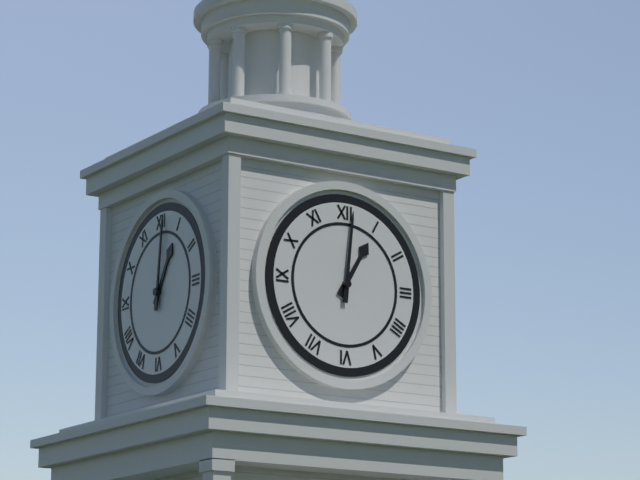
1:01
